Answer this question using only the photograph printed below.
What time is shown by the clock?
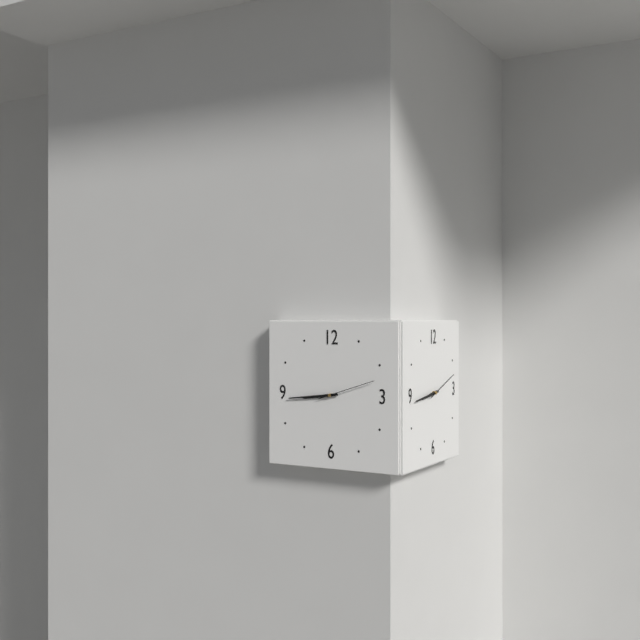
8:44:12
